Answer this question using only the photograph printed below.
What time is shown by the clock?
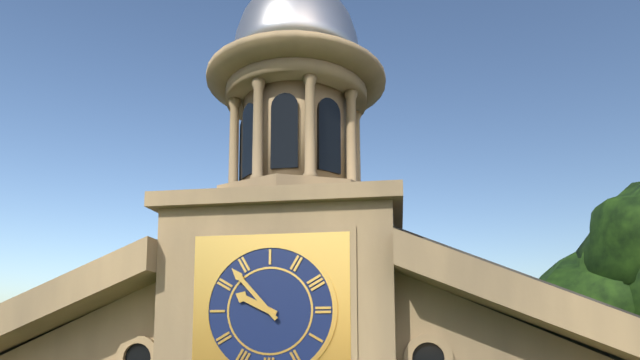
9:53
